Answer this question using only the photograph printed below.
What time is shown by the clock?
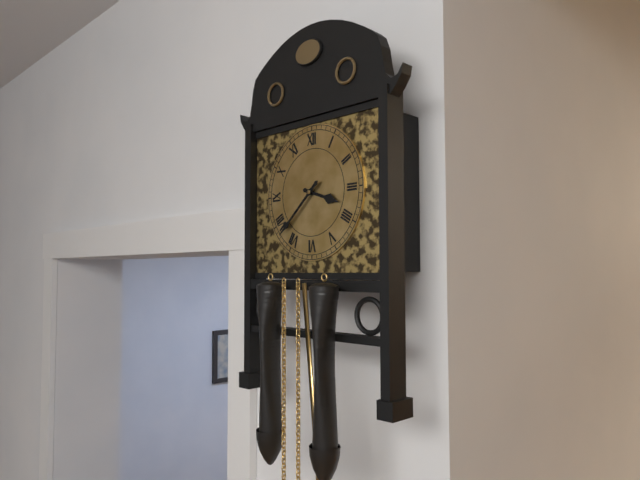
3:38
